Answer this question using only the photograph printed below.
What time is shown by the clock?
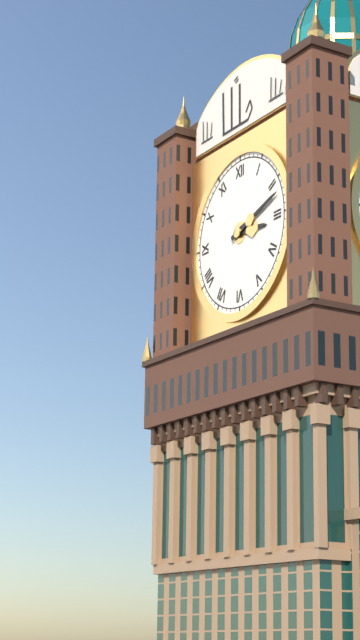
3:12
